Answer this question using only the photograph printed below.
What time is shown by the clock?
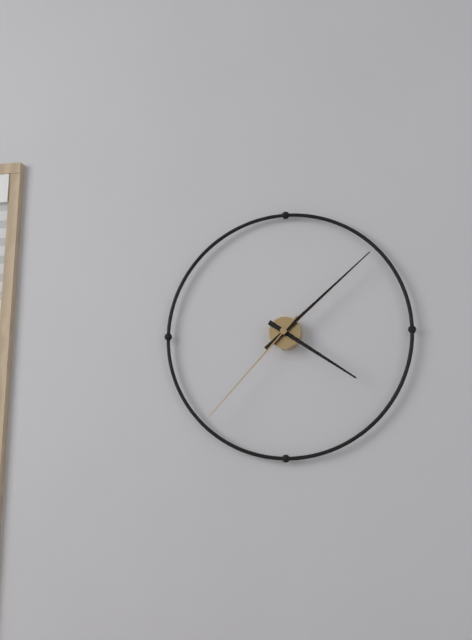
4:08:37
